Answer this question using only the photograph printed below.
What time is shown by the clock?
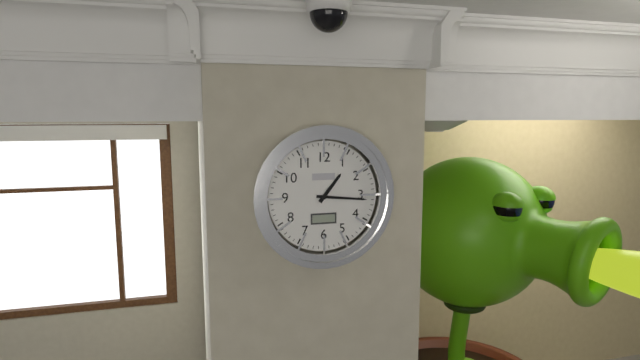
1:16
